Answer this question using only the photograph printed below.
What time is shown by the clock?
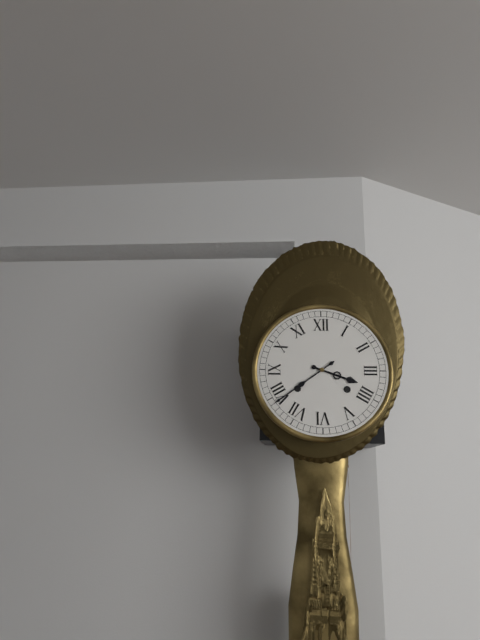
3:39
